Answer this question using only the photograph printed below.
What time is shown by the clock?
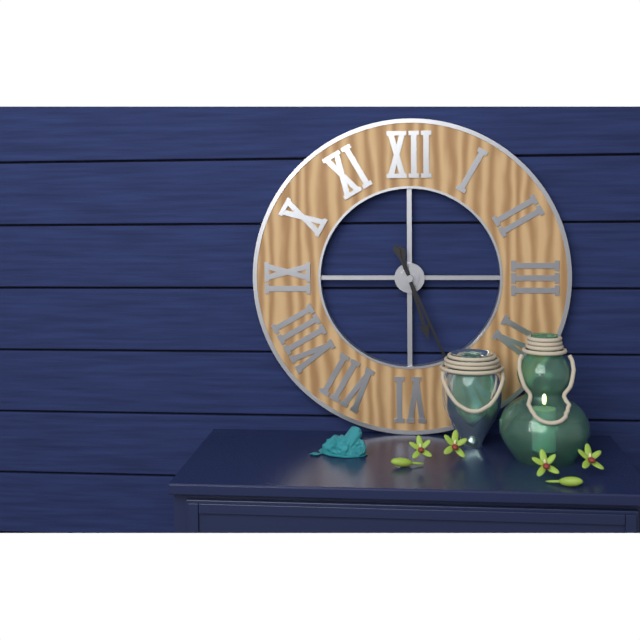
5:26
